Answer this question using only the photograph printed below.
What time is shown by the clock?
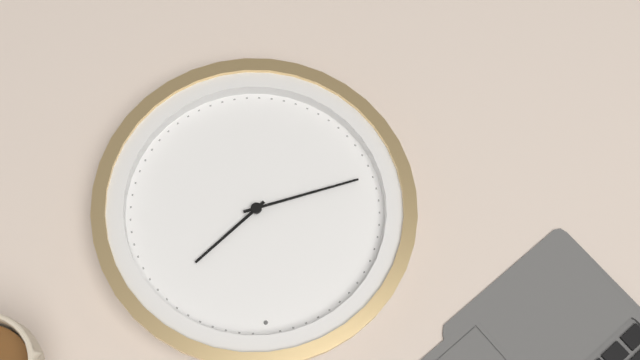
1:43
